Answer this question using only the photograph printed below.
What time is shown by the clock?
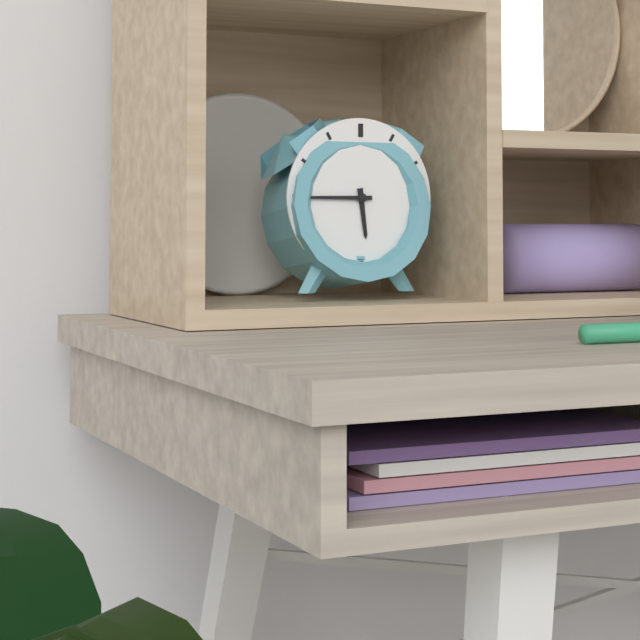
5:45
